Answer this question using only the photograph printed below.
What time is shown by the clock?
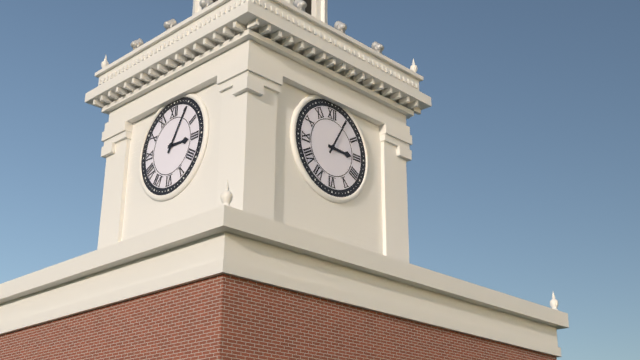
3:05
